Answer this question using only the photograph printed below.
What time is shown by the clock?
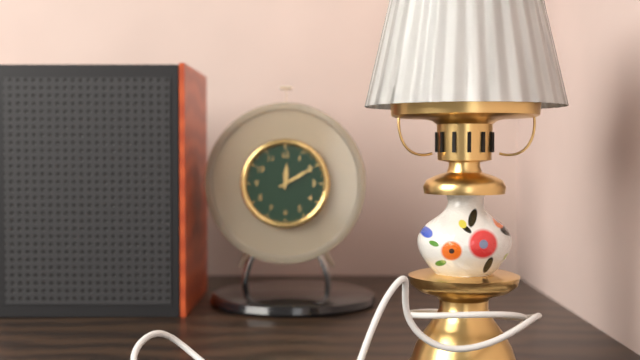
12:10
